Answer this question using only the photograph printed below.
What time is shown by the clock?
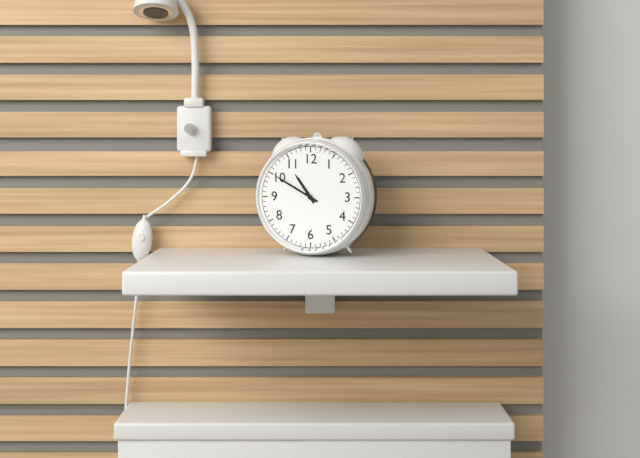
10:50
